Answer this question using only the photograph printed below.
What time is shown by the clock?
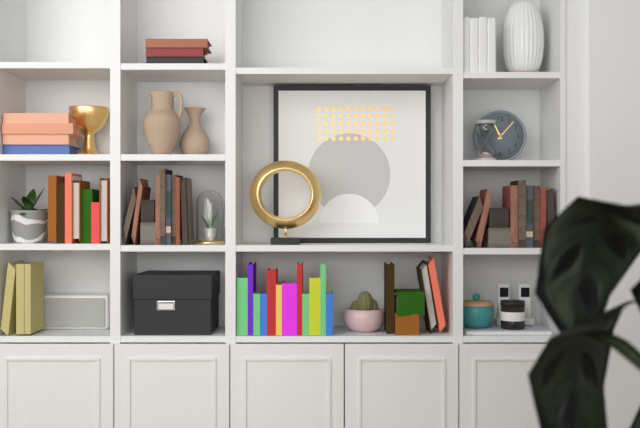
11:07
